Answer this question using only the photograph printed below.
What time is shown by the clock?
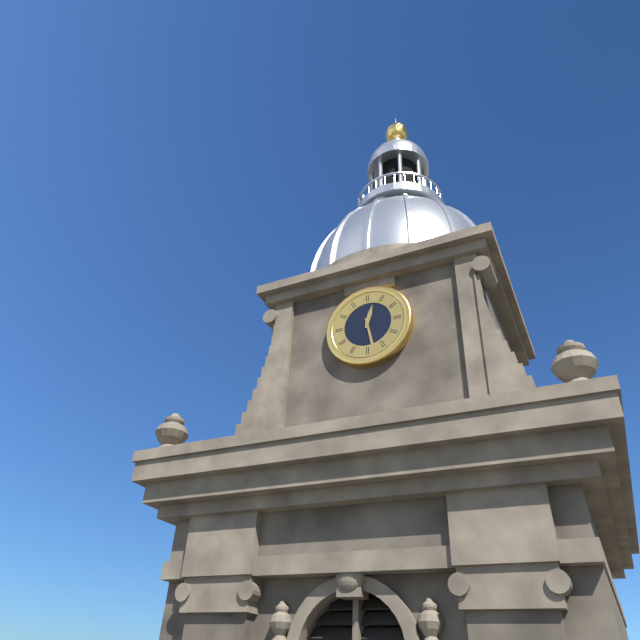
12:28
